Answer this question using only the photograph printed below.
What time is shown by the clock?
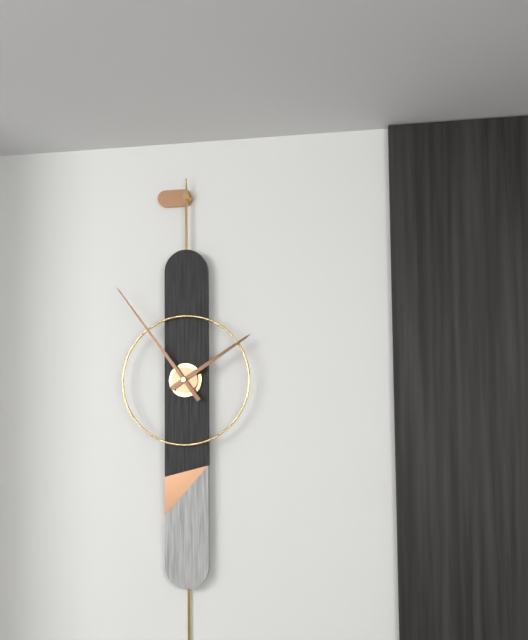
1:54
